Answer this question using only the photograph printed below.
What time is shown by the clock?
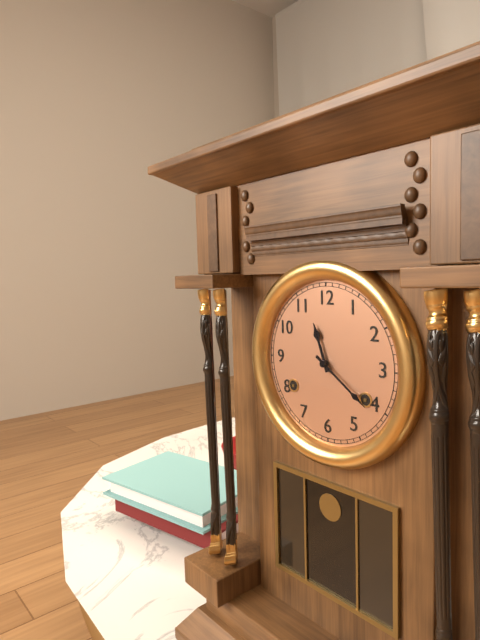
11:21
